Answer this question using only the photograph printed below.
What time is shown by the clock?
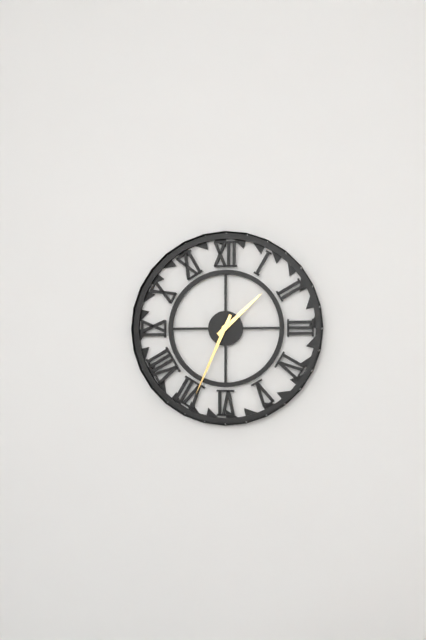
1:34
